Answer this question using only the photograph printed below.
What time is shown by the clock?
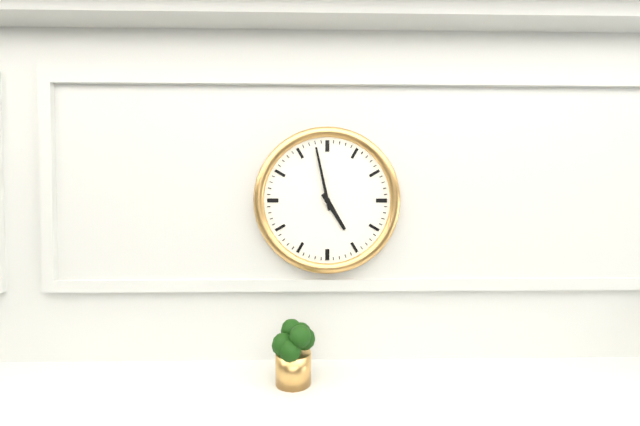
4:58
